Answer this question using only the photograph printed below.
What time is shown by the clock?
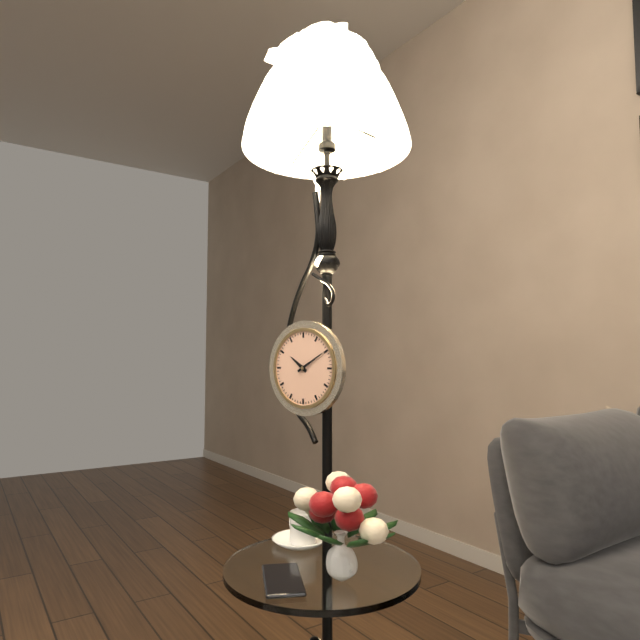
10:10
